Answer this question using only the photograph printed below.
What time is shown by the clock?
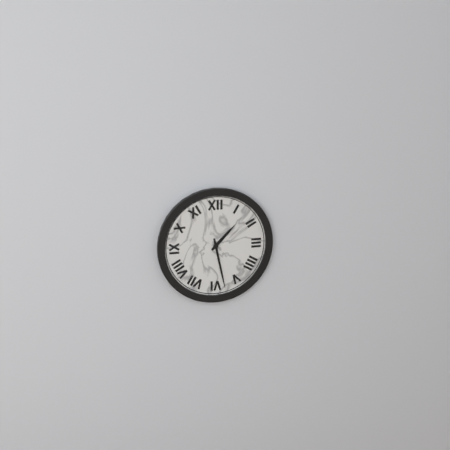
1:28
